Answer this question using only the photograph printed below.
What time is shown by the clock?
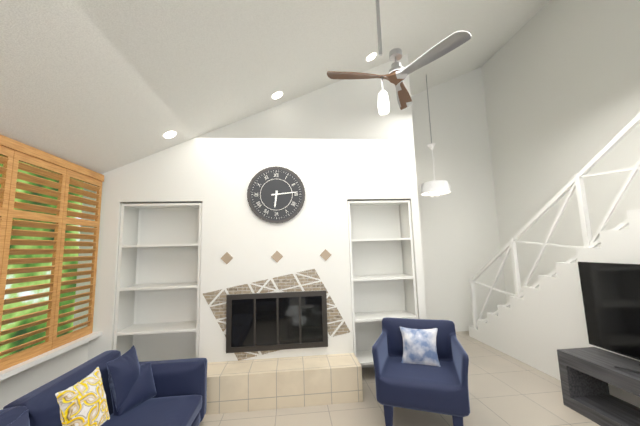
6:14
